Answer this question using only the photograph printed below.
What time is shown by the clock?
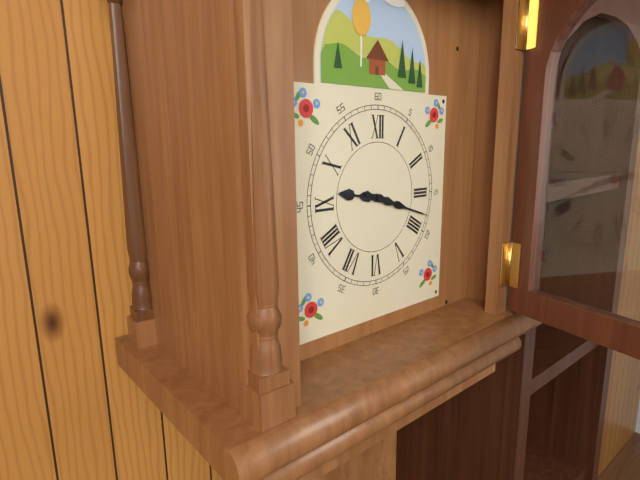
9:18
